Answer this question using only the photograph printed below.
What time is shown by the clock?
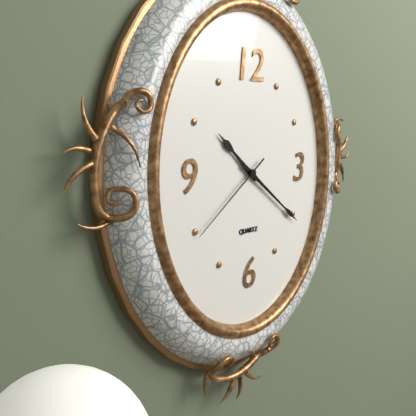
10:21:39
